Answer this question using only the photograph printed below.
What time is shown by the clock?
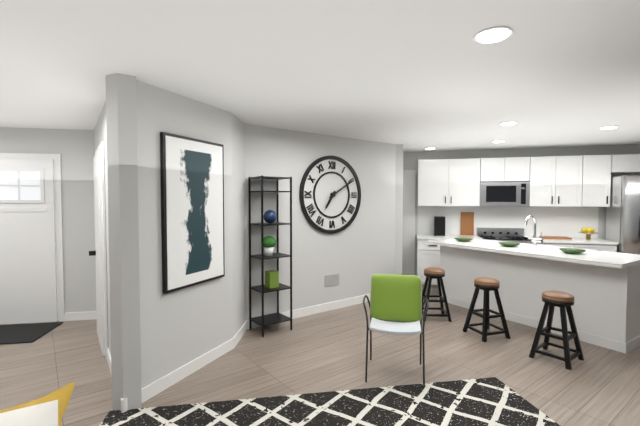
7:10
